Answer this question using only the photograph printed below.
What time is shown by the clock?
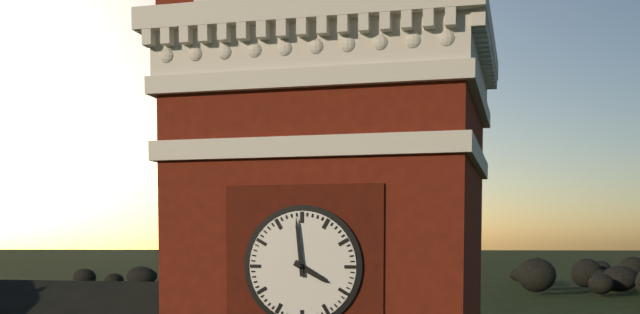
3:59
